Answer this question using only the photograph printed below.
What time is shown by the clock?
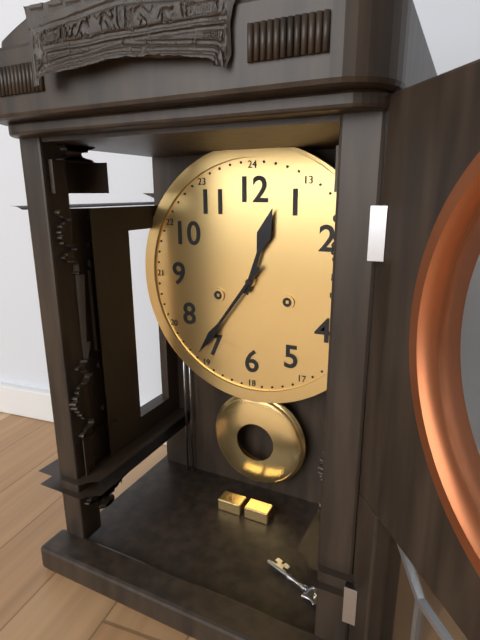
12:36
